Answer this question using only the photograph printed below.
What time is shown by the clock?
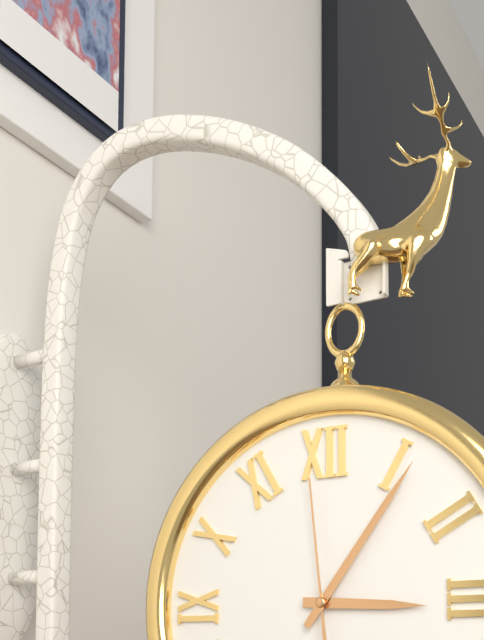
3:06:59
